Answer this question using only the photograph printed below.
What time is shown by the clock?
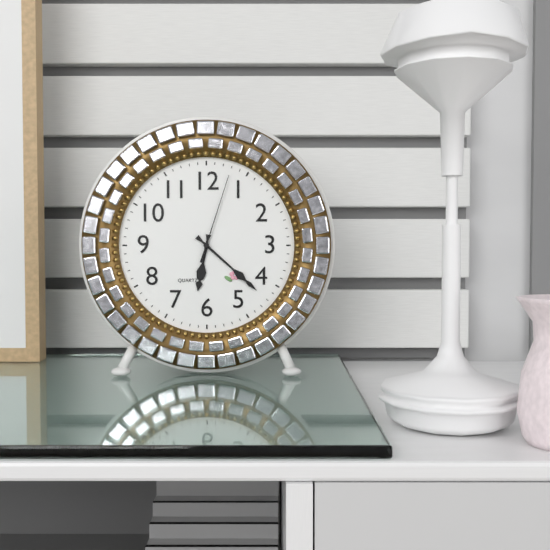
6:22:03
